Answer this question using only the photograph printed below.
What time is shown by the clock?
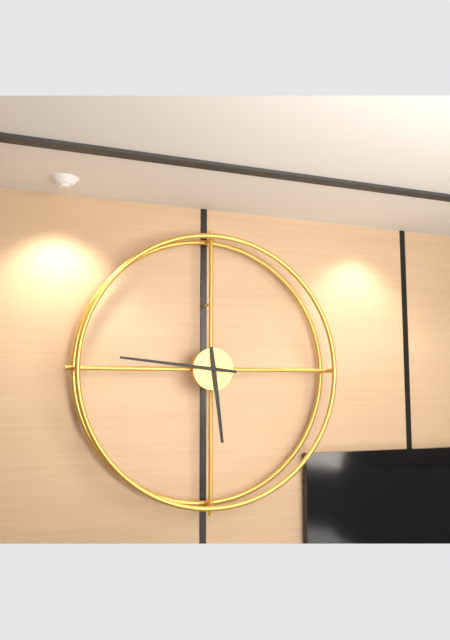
5:46
